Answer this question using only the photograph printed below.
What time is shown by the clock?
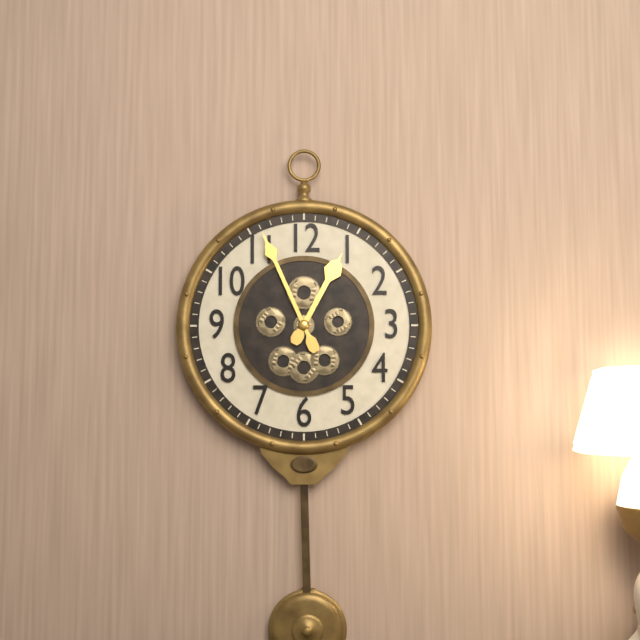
12:56
